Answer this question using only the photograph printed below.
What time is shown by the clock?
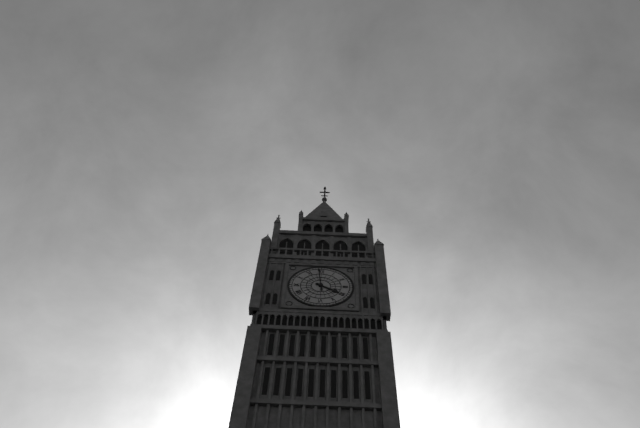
3:59
